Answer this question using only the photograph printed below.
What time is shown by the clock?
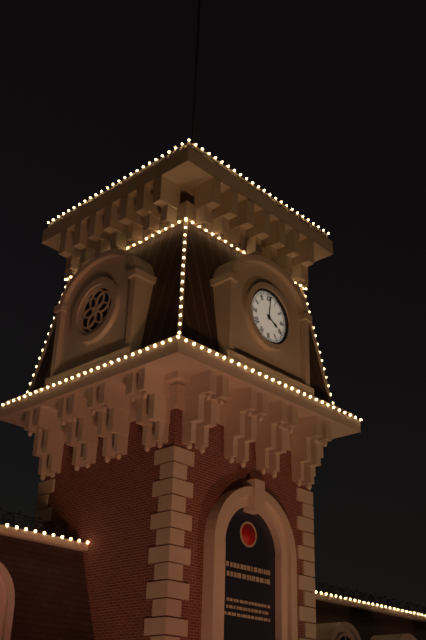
4:01
